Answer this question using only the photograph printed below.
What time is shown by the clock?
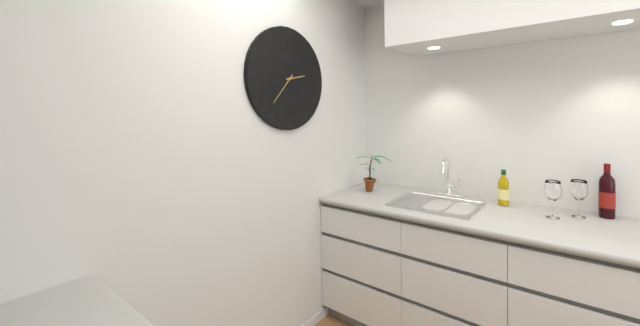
2:37
